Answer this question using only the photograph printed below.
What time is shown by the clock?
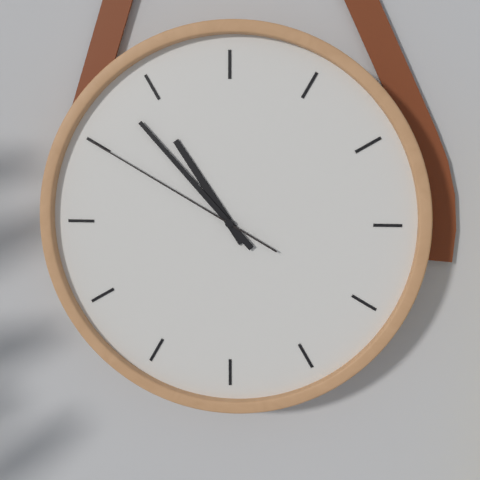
10:53:50
